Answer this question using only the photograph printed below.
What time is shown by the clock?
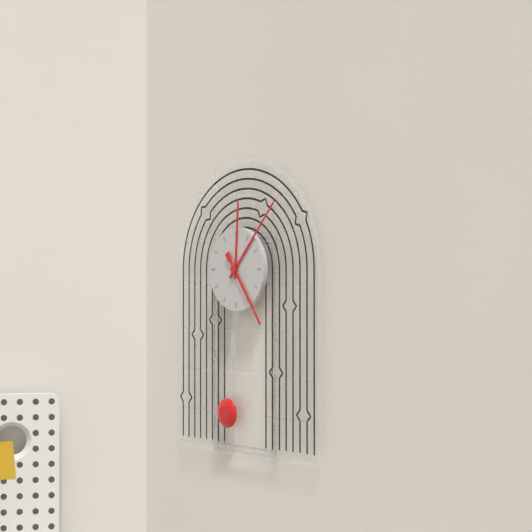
12:07:24
